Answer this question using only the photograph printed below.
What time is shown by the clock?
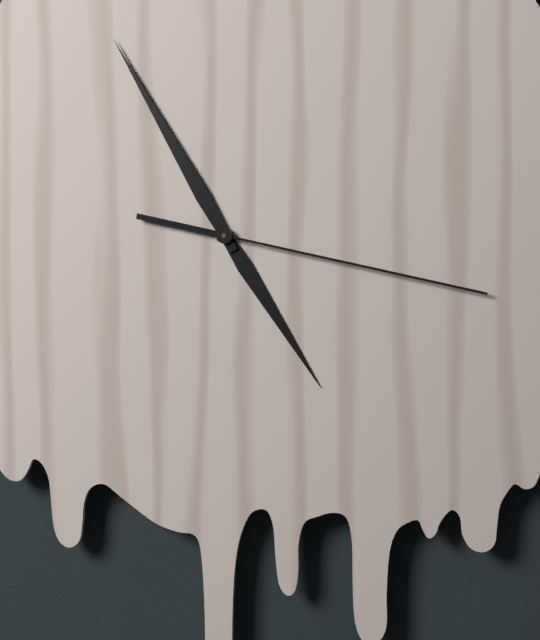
4:55:17
